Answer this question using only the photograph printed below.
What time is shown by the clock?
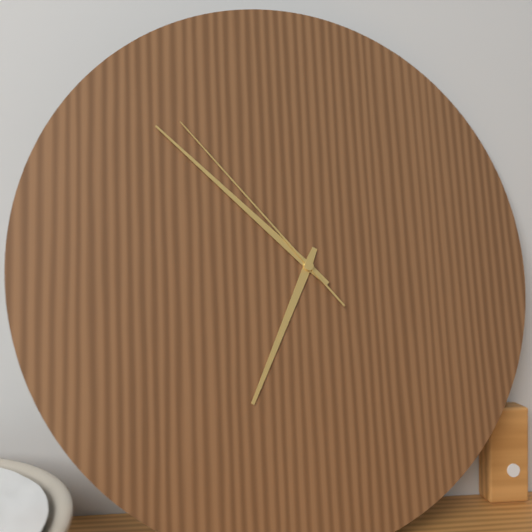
6:52:53
